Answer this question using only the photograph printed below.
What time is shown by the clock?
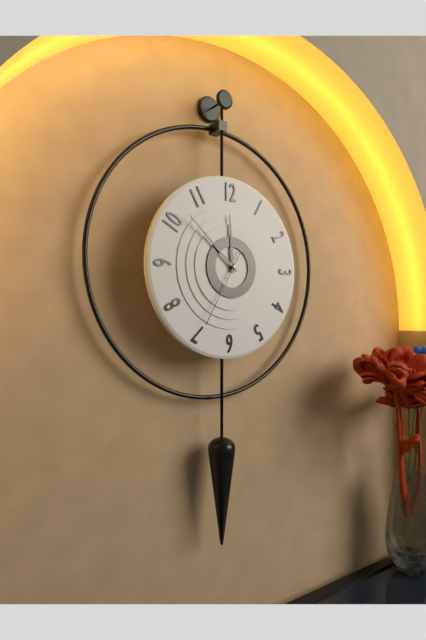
11:52:35
